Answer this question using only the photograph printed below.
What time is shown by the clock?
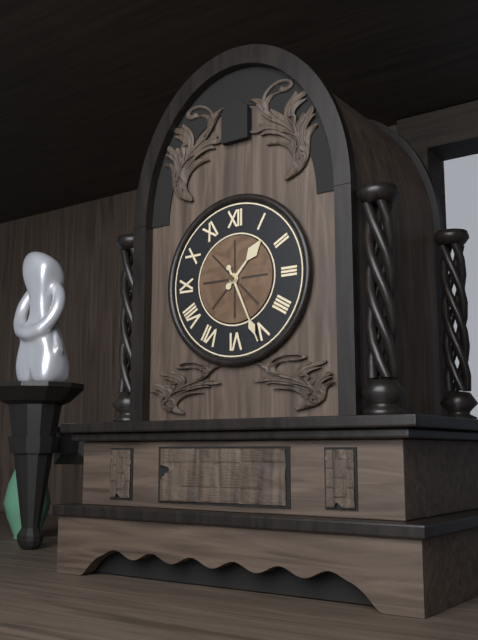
1:26
